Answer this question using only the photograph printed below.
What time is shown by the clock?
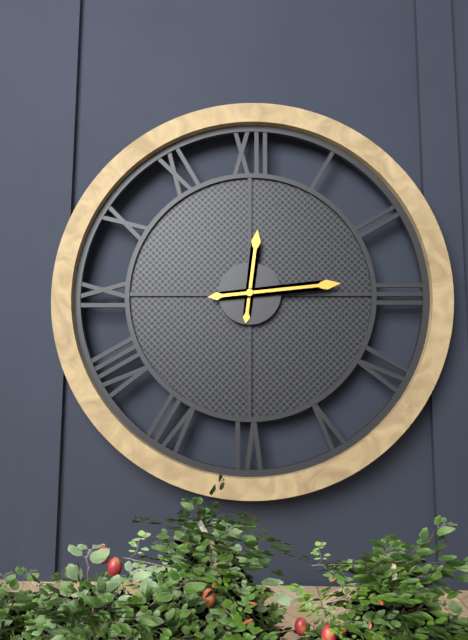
12:14
